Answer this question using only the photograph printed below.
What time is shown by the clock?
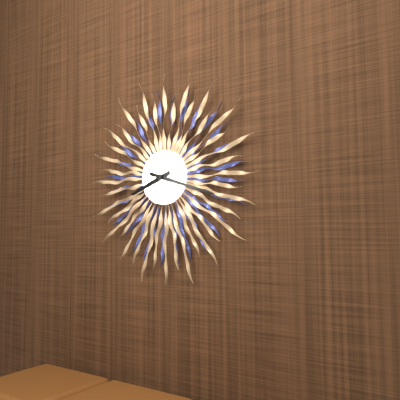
8:18
